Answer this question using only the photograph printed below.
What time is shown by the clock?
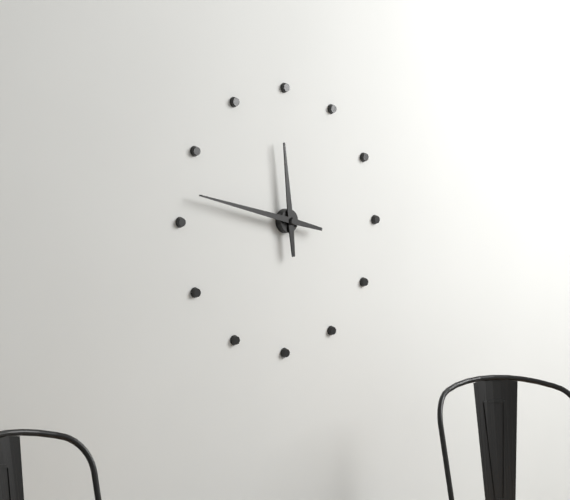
11:47
